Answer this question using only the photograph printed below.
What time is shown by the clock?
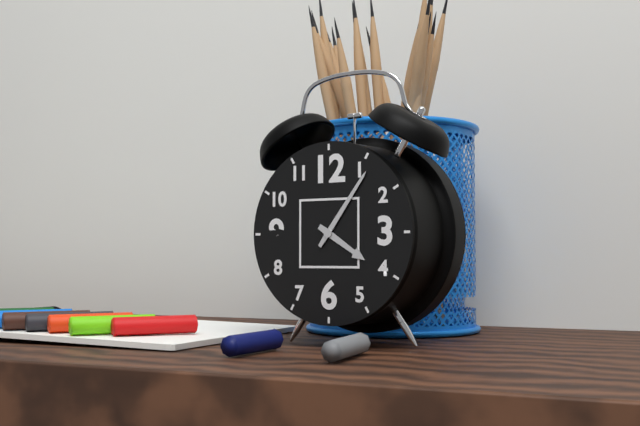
4:06
